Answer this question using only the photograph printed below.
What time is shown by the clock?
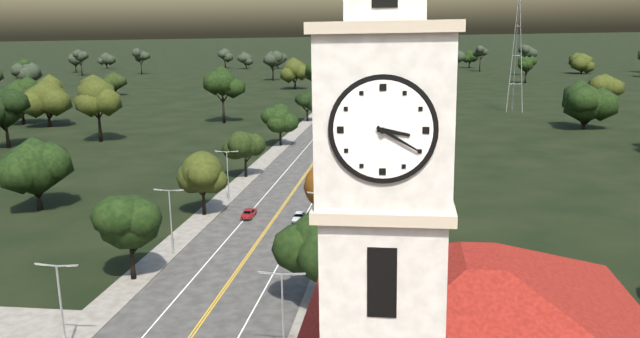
3:20
